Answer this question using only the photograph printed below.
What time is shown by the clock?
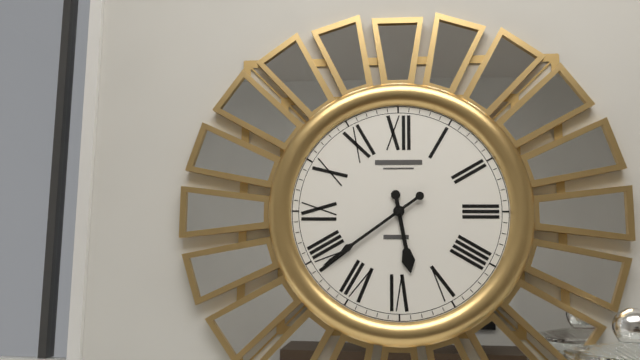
5:39
